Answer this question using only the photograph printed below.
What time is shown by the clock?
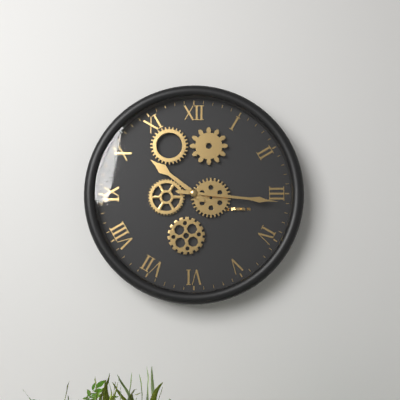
10:16
